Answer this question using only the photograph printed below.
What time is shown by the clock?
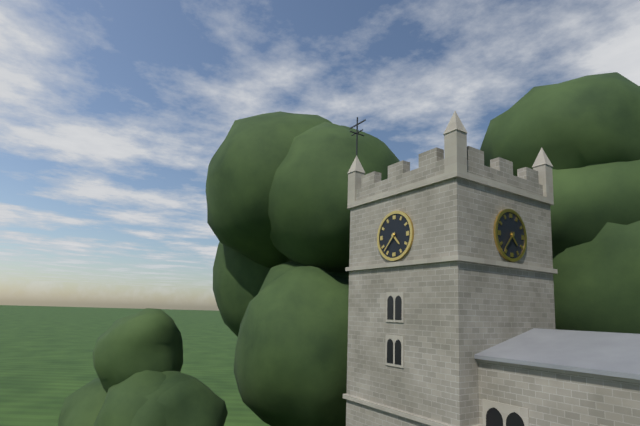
4:37
